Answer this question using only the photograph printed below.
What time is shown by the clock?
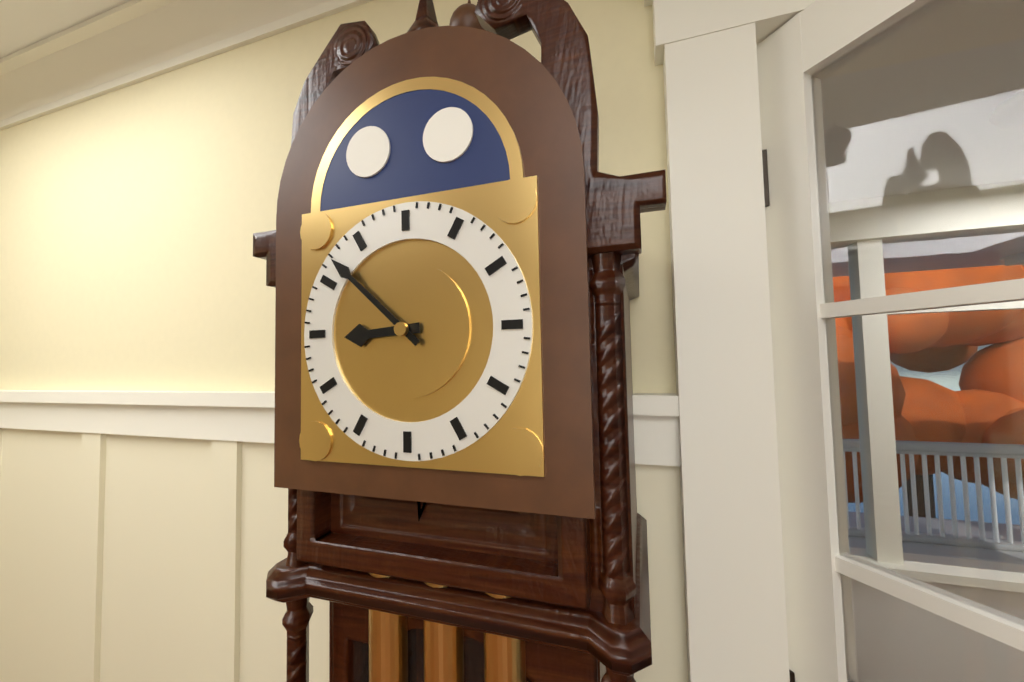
8:52
